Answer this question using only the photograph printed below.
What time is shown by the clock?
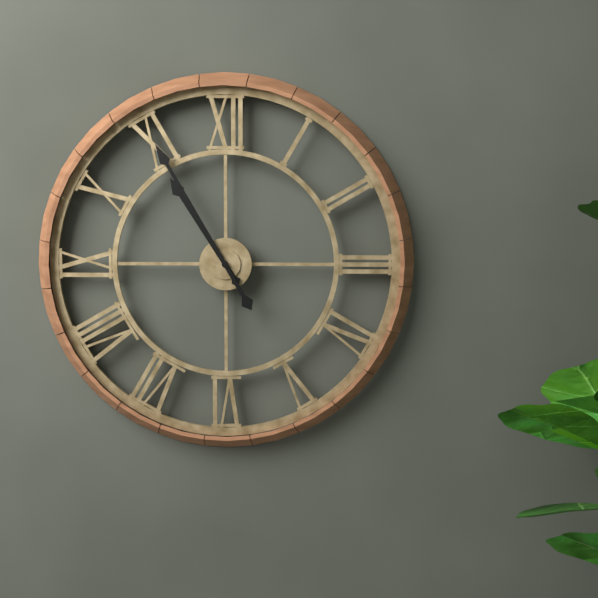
10:55
